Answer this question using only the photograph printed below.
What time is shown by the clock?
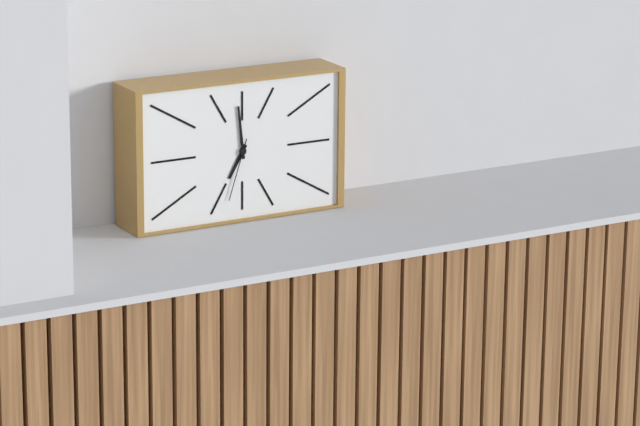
6:59:33
